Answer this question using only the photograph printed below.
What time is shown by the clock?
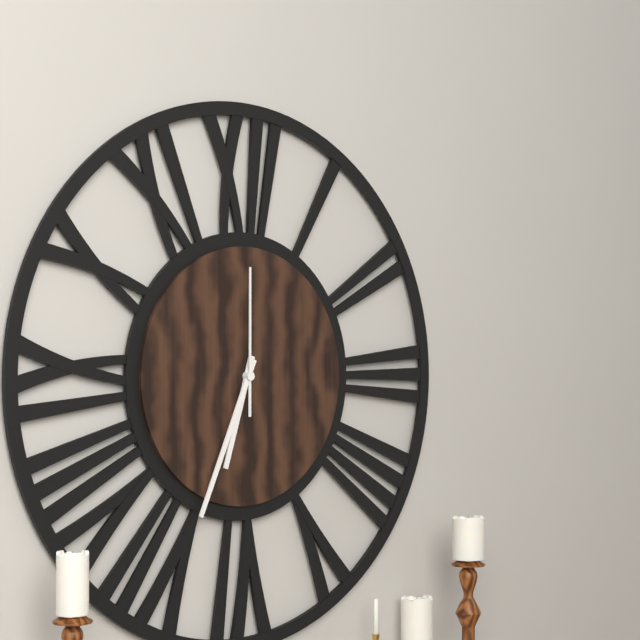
6:34:00
